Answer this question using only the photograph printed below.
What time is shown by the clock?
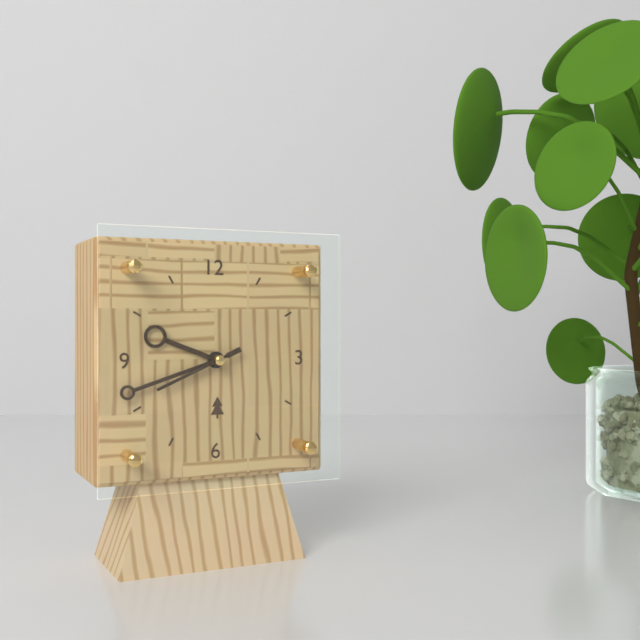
9:42:41
